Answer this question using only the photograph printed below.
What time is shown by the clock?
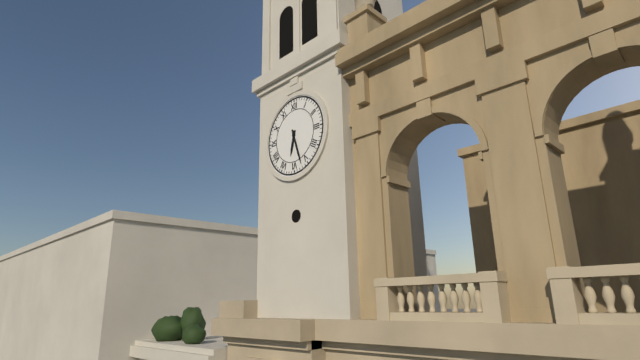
6:27
